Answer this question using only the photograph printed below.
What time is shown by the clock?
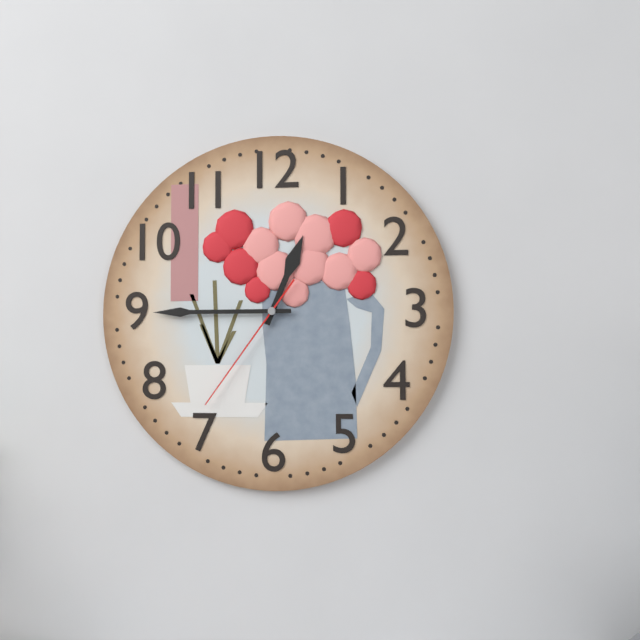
12:45:36
